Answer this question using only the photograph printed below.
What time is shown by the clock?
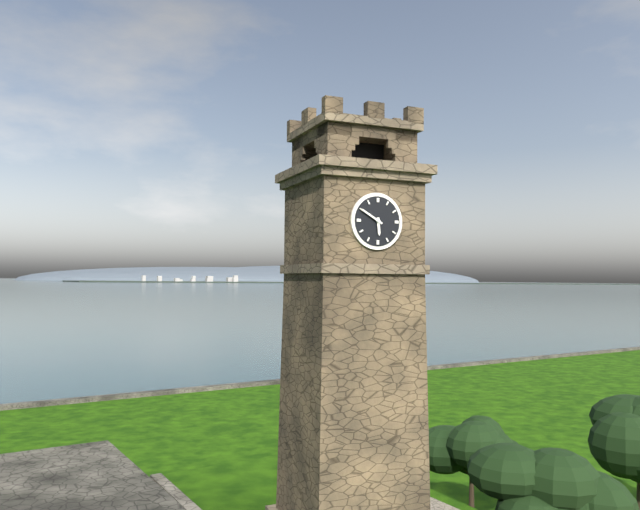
5:50
